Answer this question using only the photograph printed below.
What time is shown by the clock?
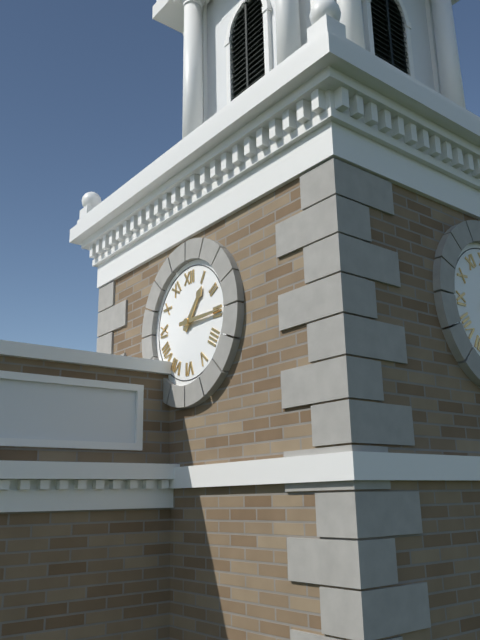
1:15
